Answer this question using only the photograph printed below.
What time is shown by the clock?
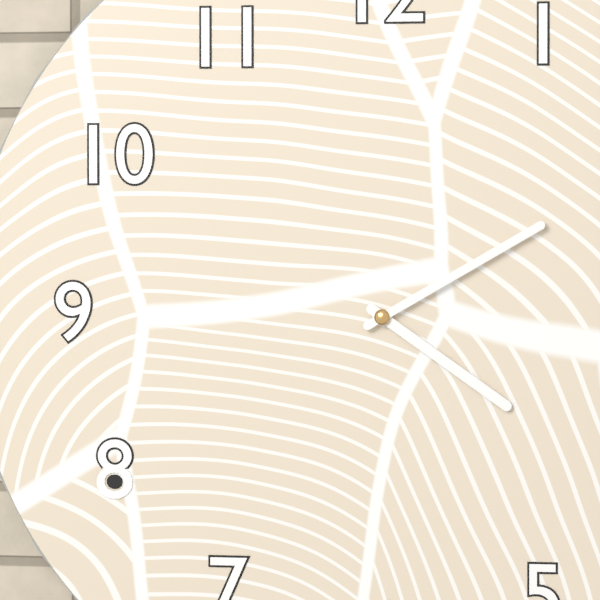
4:10
